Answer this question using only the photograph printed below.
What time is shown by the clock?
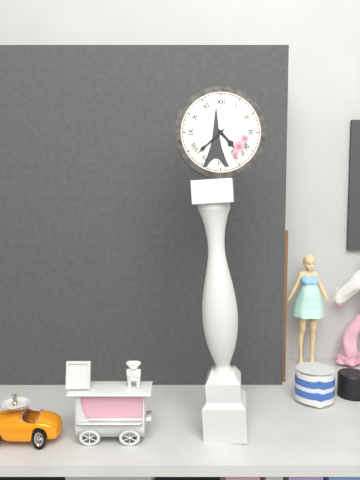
4:38
